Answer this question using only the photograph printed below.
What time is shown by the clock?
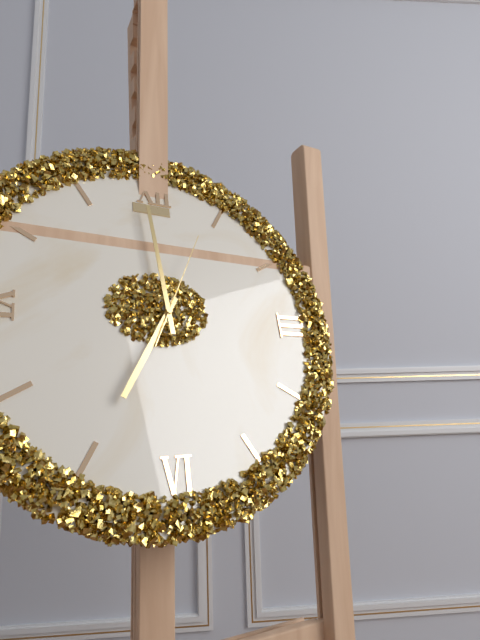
6:59:04
